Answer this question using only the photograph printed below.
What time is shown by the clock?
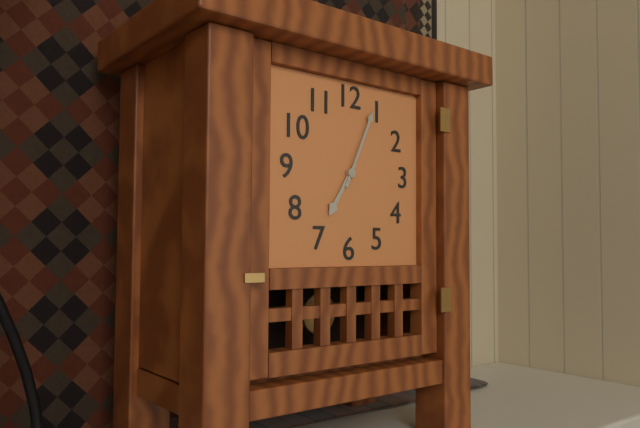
7:04
